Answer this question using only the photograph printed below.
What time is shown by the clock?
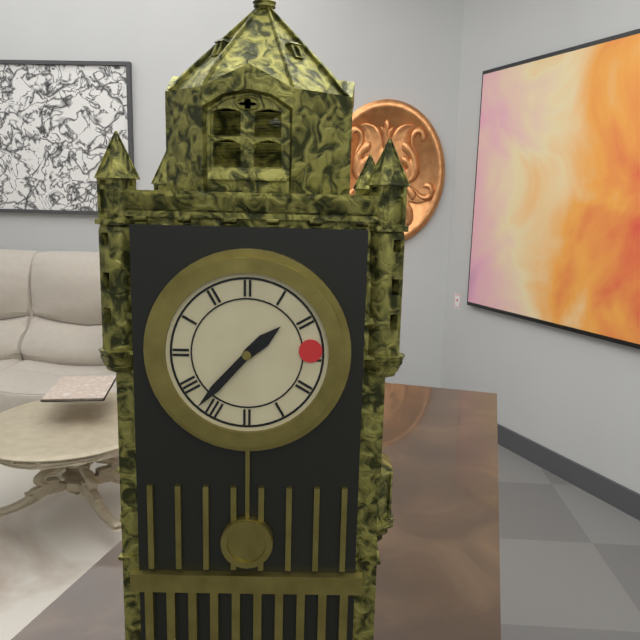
1:37
